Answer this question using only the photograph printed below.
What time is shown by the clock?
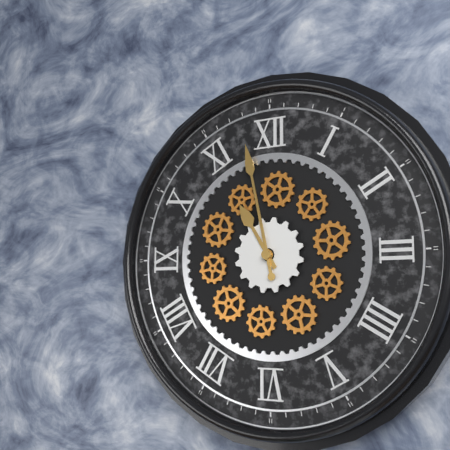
10:58
